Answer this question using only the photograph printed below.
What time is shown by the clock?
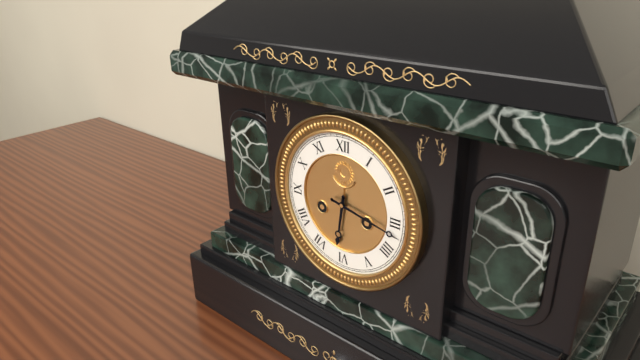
6:17
